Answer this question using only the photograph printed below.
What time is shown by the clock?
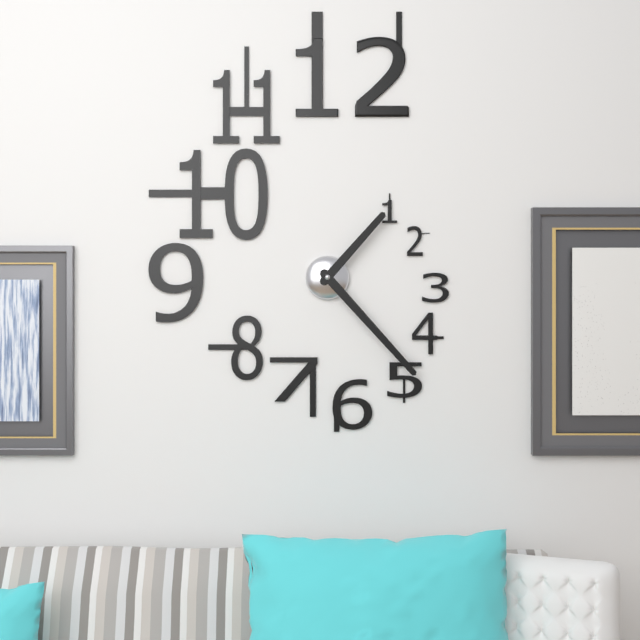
1:23
